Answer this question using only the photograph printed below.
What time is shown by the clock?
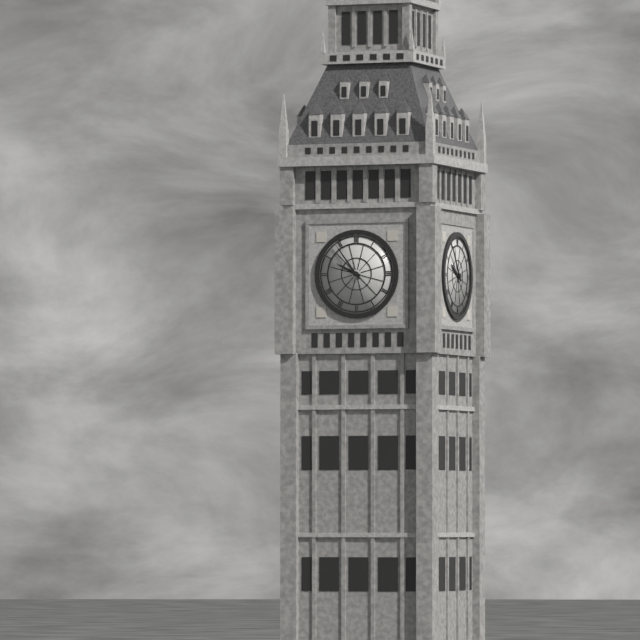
9:54
